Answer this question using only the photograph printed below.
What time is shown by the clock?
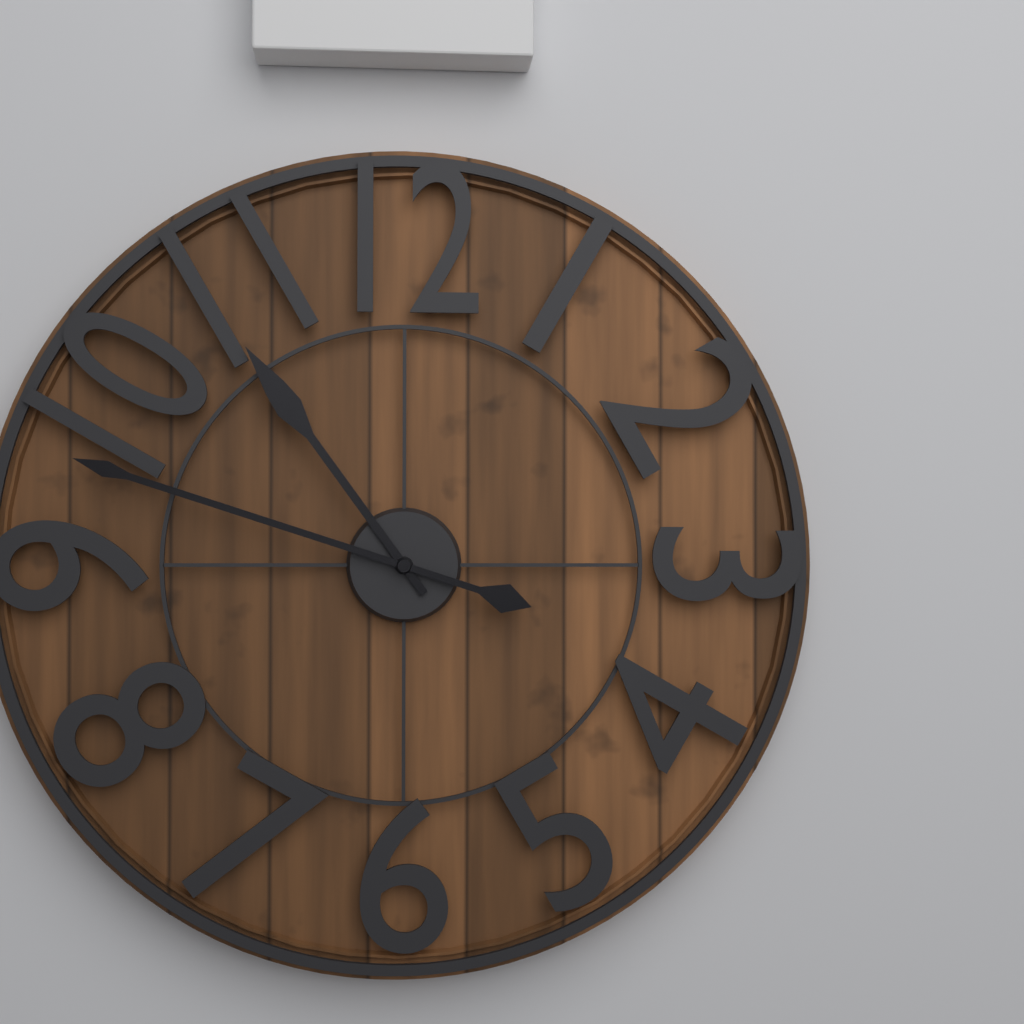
10:48
